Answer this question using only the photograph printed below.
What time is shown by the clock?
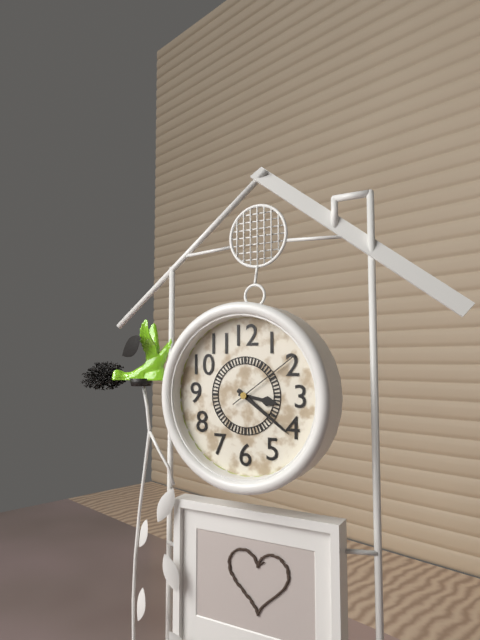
3:21:09
